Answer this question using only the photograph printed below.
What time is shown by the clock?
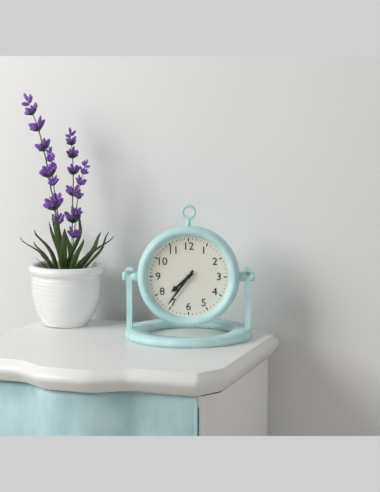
7:36
